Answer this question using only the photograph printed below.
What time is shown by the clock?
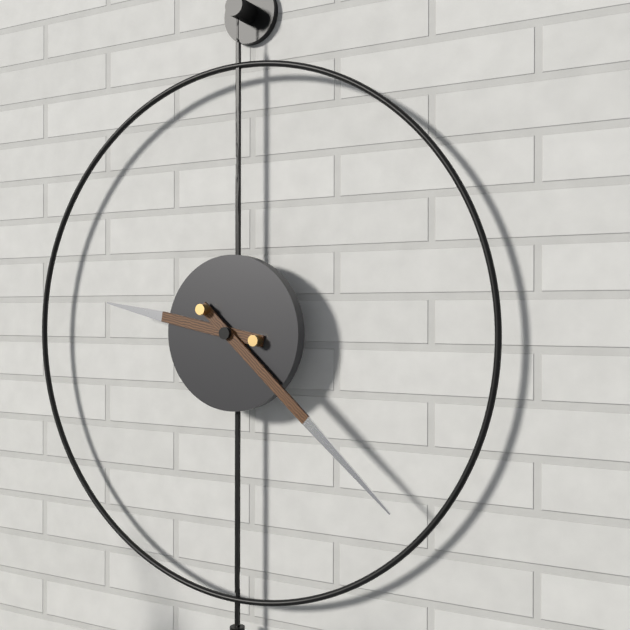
9:22
